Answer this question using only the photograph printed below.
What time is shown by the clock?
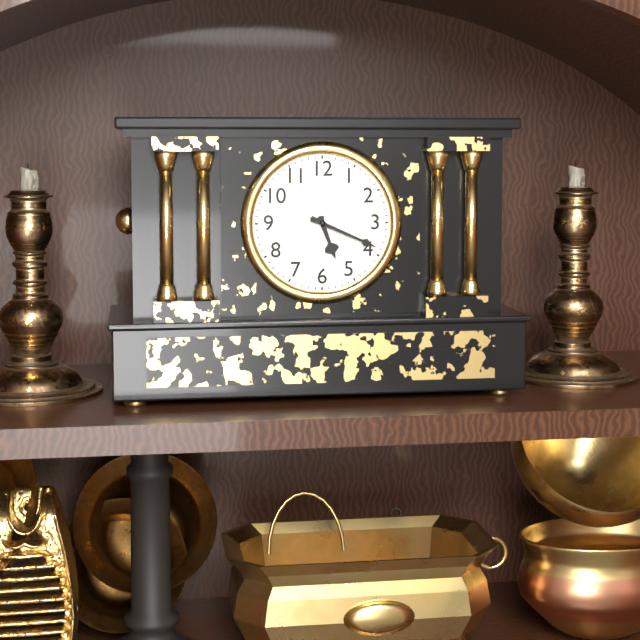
5:19
